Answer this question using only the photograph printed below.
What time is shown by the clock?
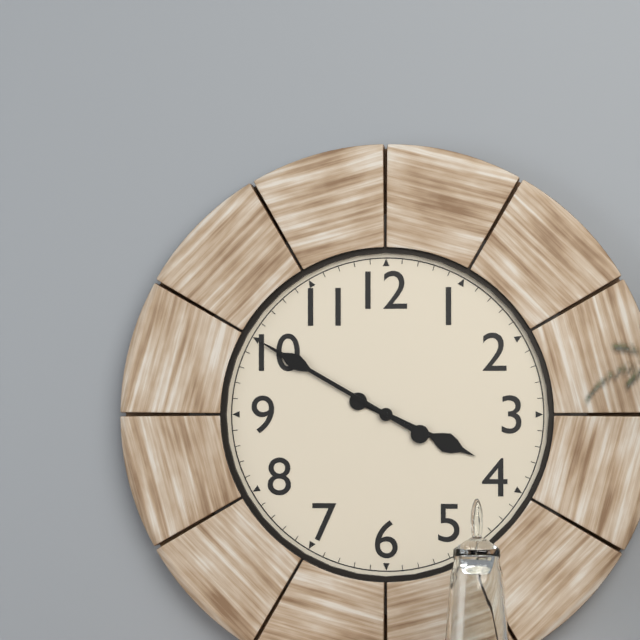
3:50
